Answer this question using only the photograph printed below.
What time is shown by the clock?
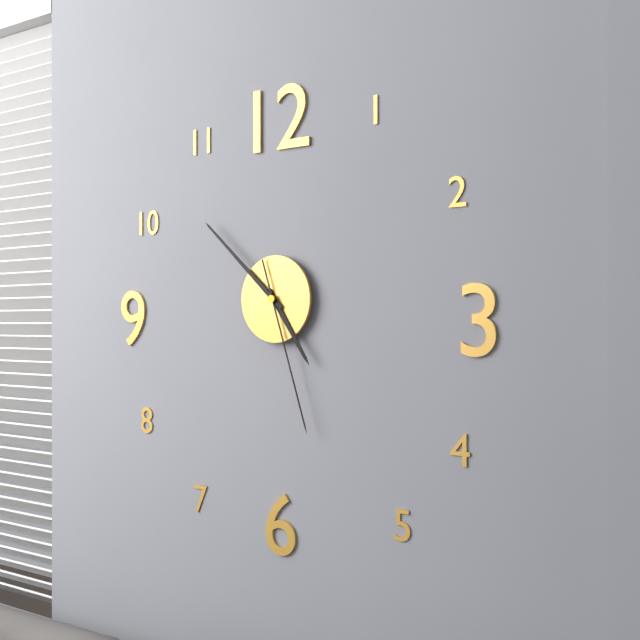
4:52:27
